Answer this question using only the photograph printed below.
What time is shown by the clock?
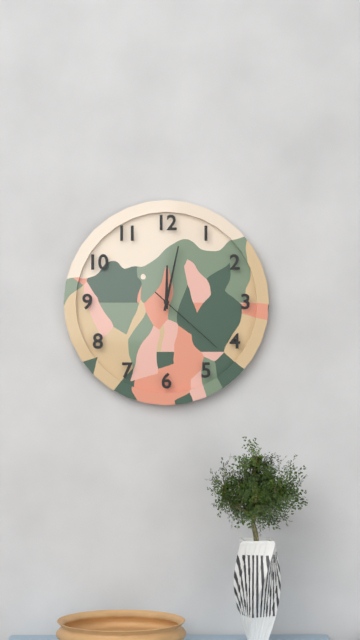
12:02:22
